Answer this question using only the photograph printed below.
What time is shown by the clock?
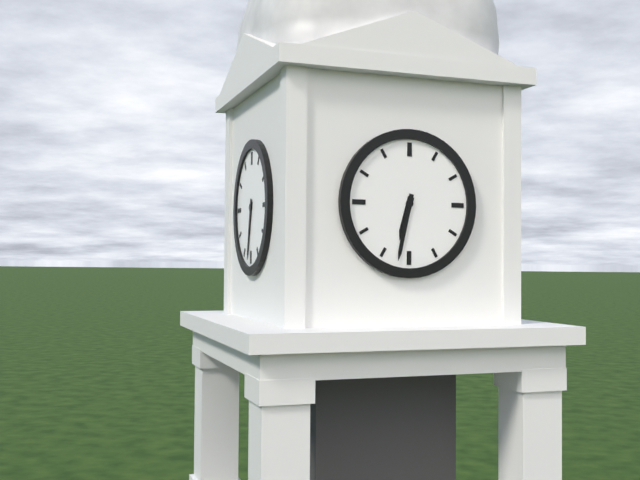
6:32
